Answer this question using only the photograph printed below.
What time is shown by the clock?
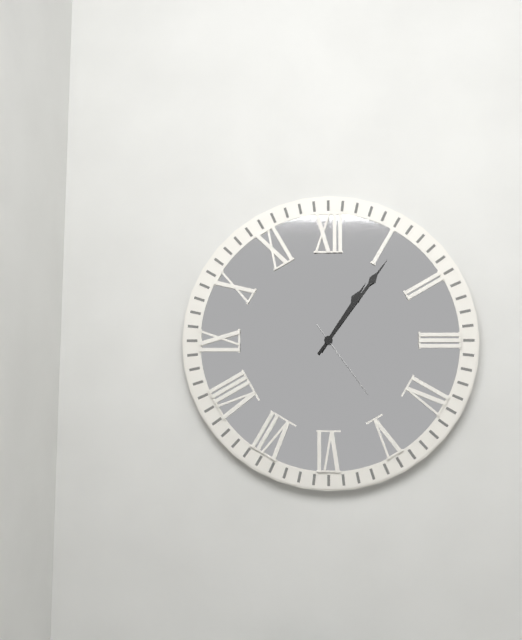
1:06:24
